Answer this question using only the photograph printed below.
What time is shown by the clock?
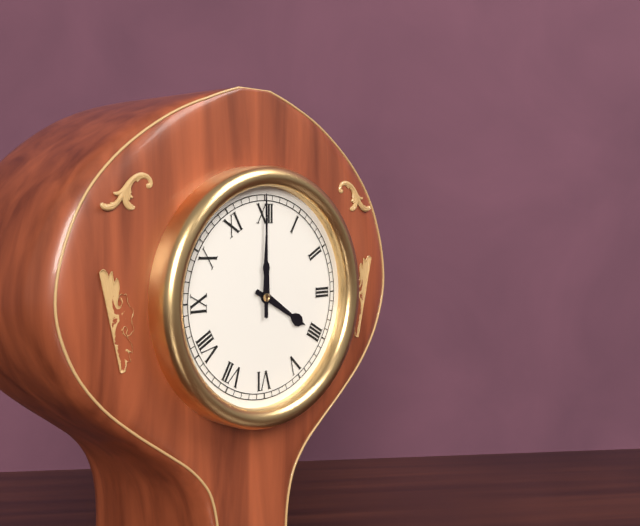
4:00
